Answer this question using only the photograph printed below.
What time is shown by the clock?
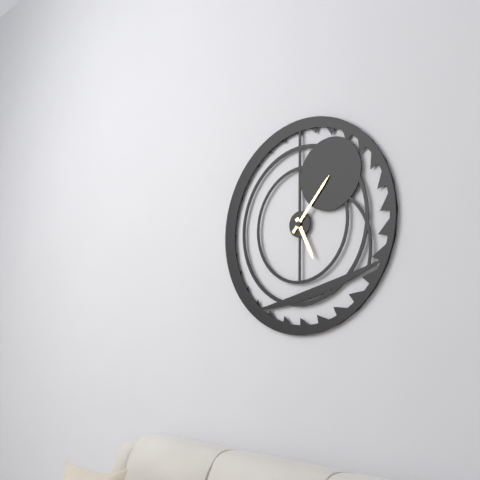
5:07
